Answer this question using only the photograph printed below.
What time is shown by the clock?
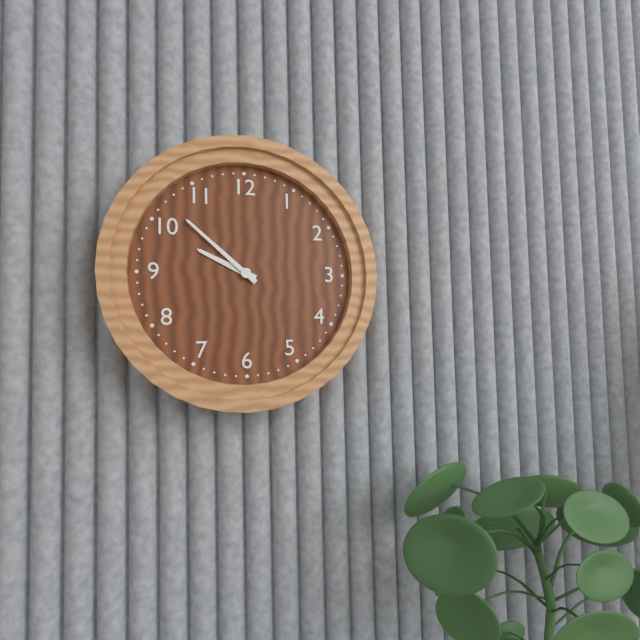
9:52
